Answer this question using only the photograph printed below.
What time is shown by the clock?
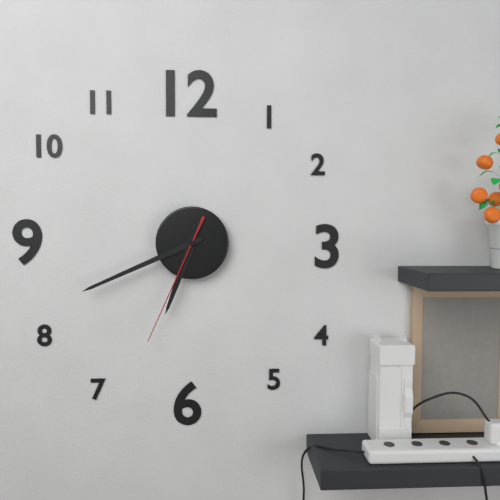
6:41:34
